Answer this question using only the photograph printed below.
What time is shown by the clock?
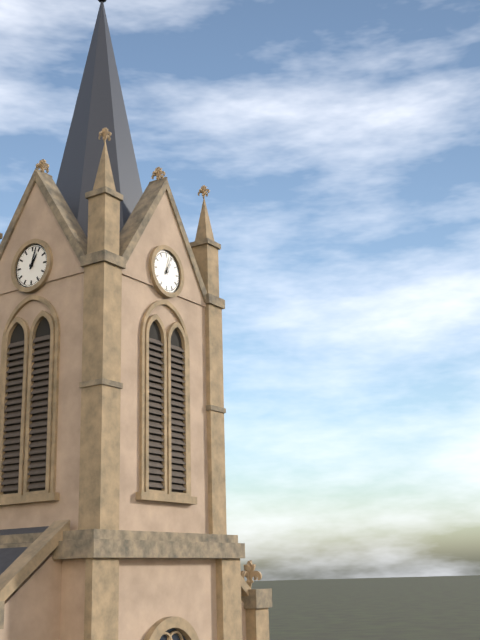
1:03
